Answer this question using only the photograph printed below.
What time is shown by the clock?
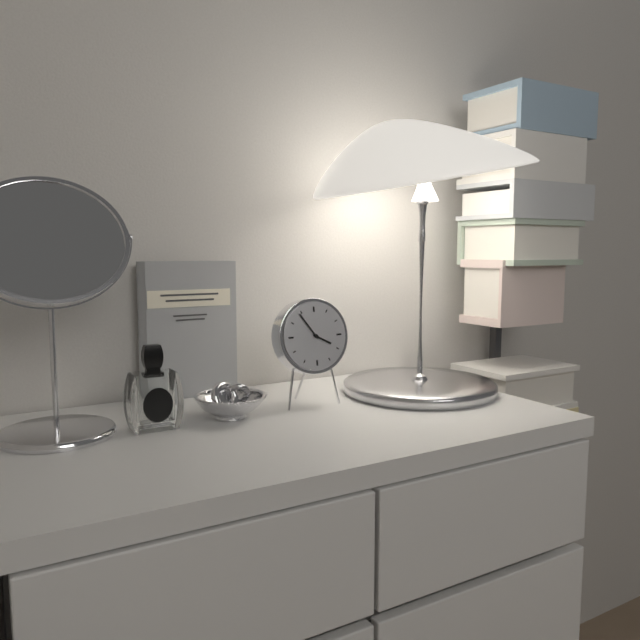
3:54
